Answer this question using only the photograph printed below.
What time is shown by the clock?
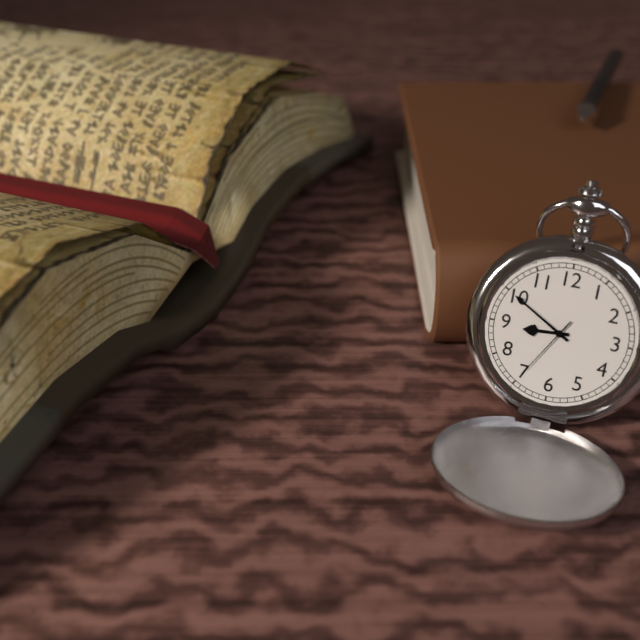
8:50:35
